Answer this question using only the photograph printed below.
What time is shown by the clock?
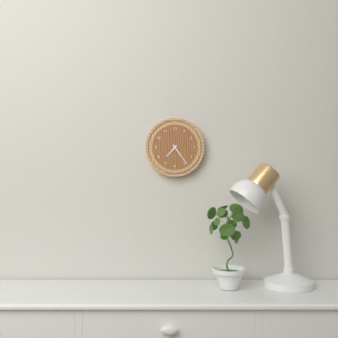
7:24
